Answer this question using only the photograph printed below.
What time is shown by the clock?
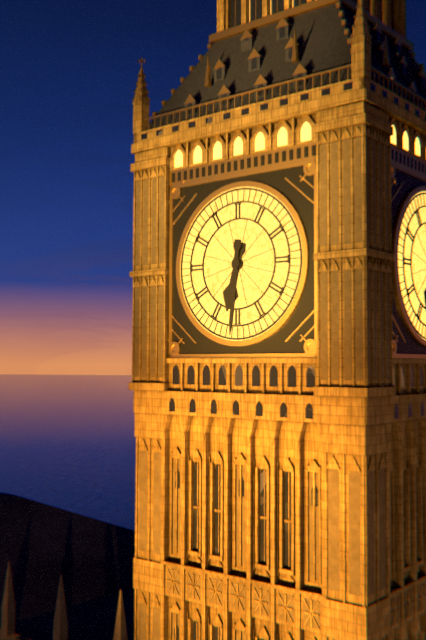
6:31
